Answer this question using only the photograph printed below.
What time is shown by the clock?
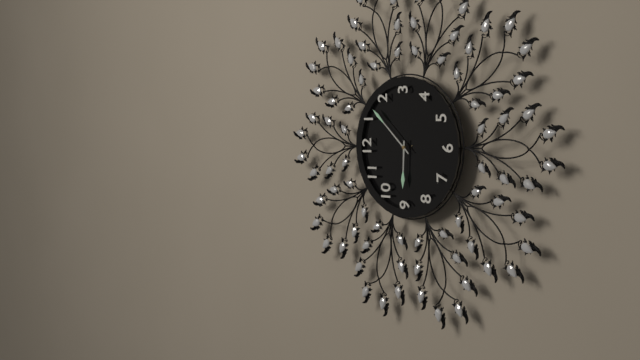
9:07
